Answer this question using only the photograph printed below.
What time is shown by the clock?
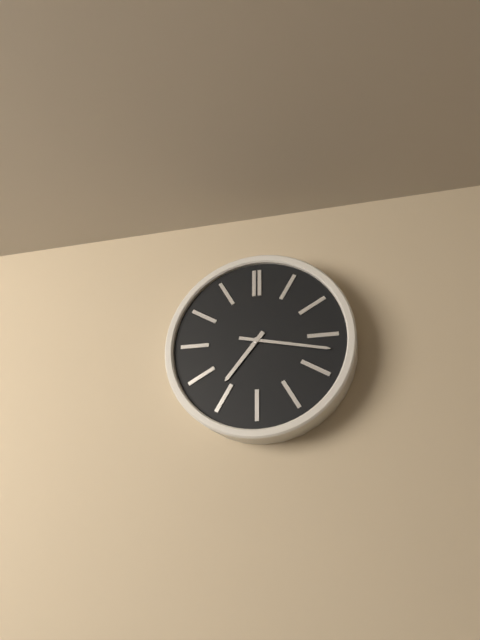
7:17
